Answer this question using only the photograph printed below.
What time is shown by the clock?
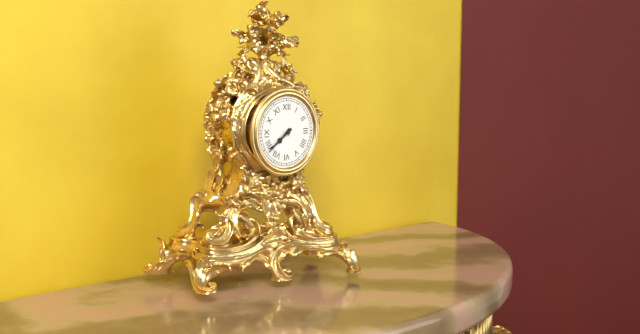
7:39
